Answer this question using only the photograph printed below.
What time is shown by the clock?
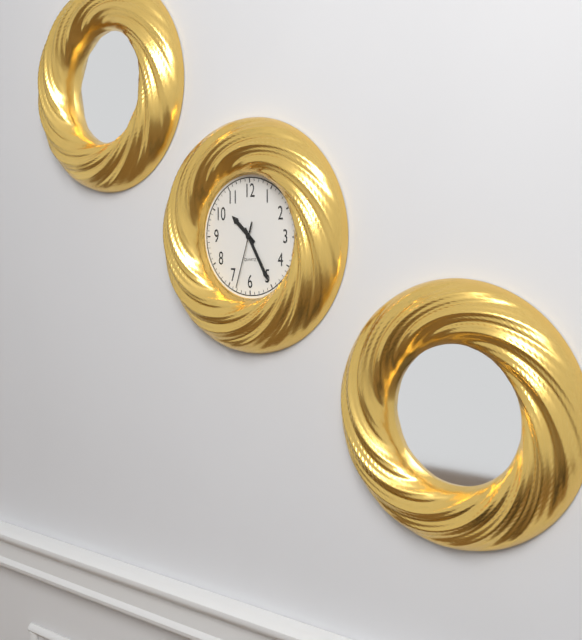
10:25:33
